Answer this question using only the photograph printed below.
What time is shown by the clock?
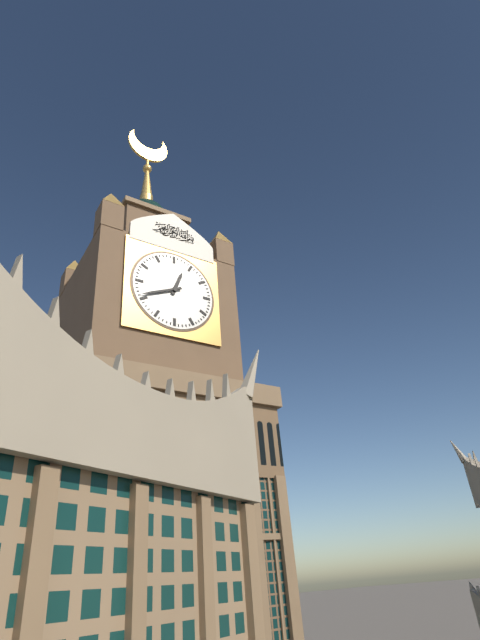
12:41
